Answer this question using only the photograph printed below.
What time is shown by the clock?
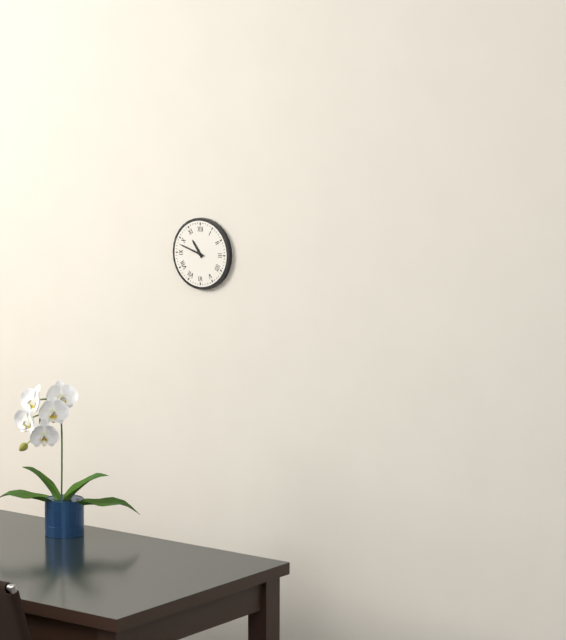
10:48
